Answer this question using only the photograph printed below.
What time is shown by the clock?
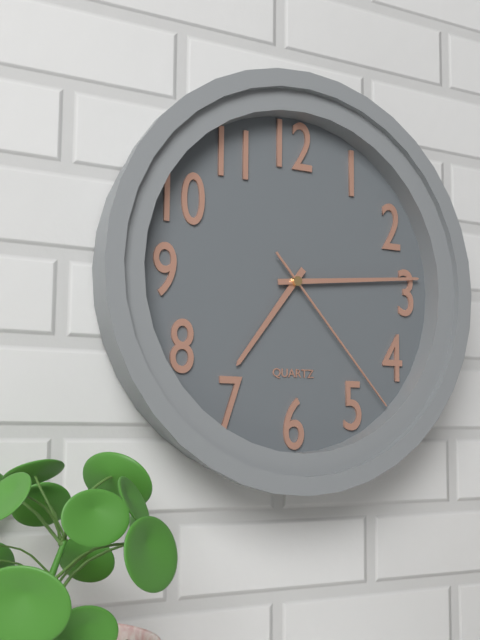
7:14:23
